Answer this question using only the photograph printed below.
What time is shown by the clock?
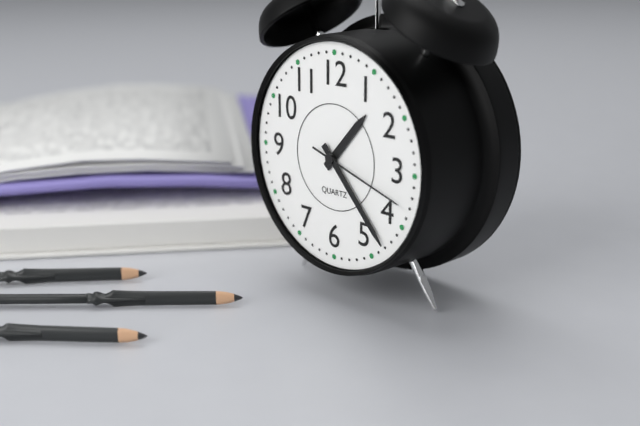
1:23:18
